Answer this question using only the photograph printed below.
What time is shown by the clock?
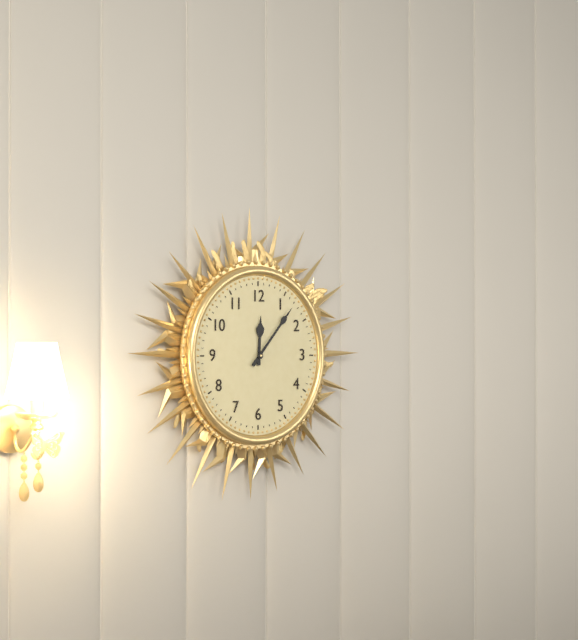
12:07
